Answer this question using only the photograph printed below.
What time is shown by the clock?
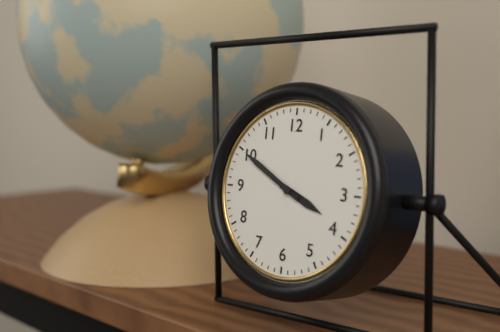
3:50
